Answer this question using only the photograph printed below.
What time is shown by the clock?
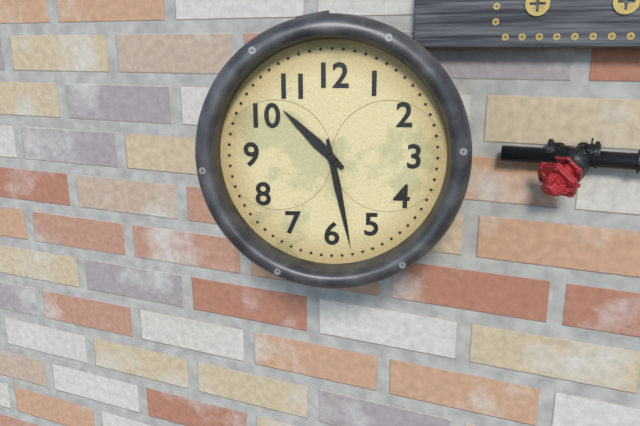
10:28
